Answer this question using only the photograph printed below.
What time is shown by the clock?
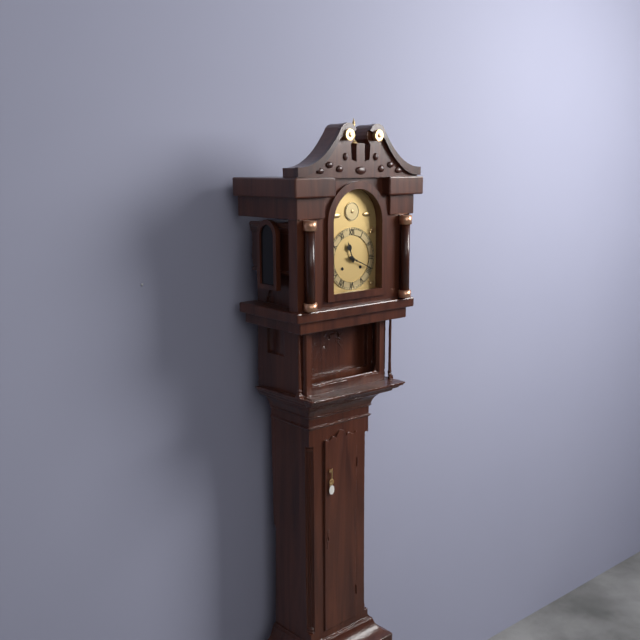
11:19
